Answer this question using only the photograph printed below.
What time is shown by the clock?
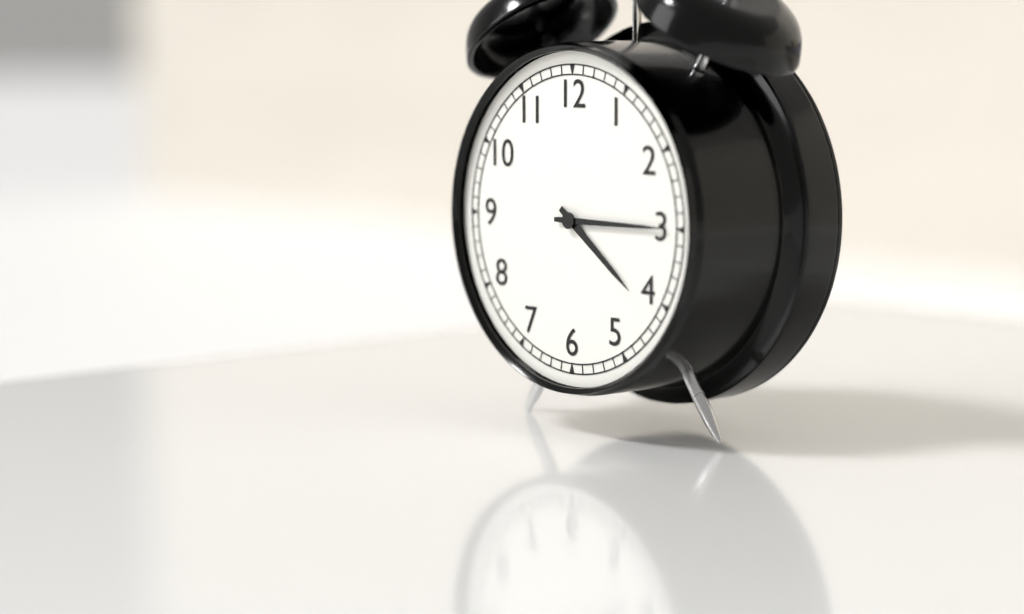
4:15
